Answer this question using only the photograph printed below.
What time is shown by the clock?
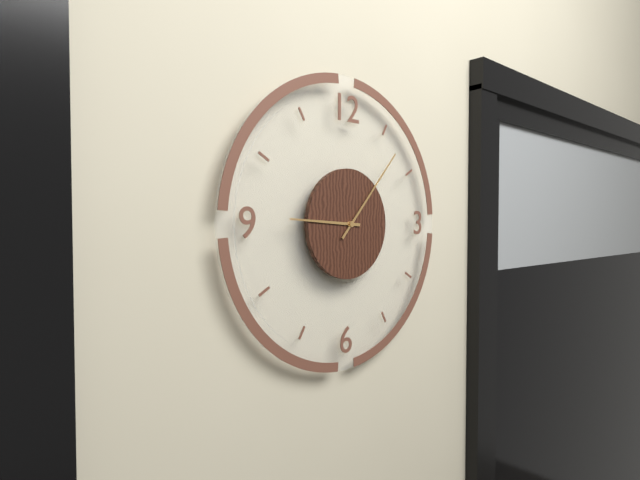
9:07
